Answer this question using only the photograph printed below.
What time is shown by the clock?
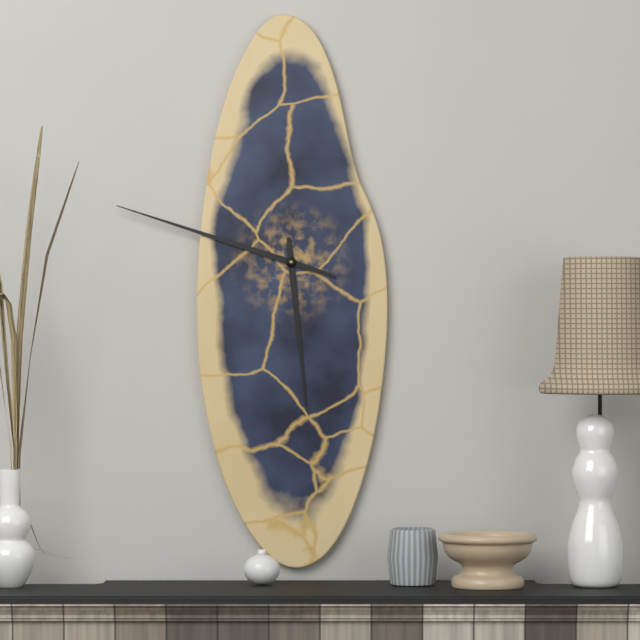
5:48
